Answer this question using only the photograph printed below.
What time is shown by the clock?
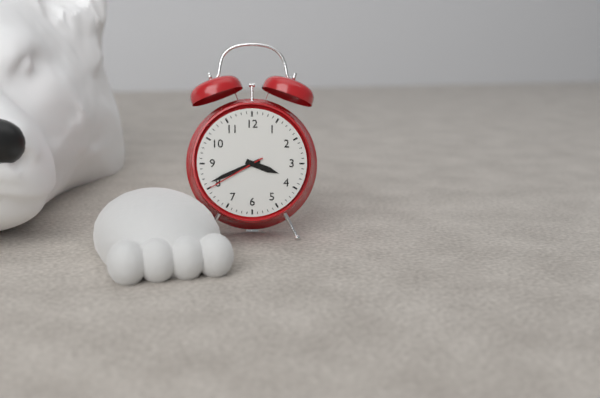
3:41:40
